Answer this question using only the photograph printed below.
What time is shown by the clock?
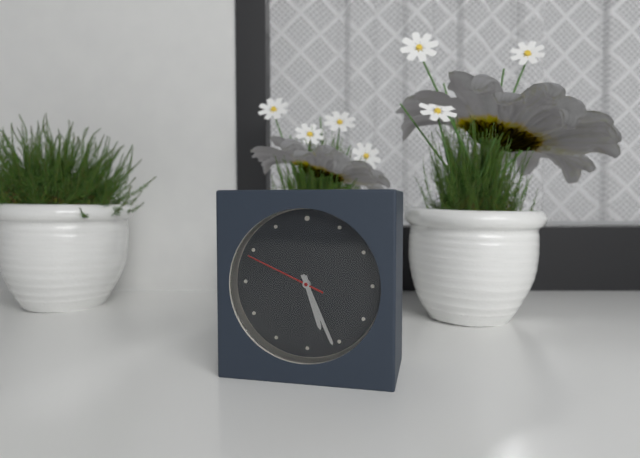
5:26:49
